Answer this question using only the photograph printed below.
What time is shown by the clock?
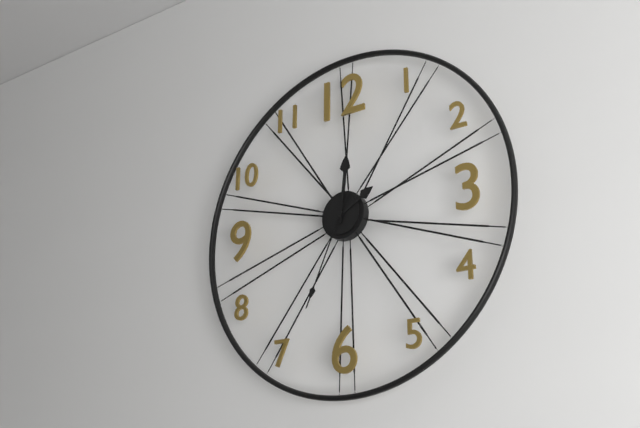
2:01:34
